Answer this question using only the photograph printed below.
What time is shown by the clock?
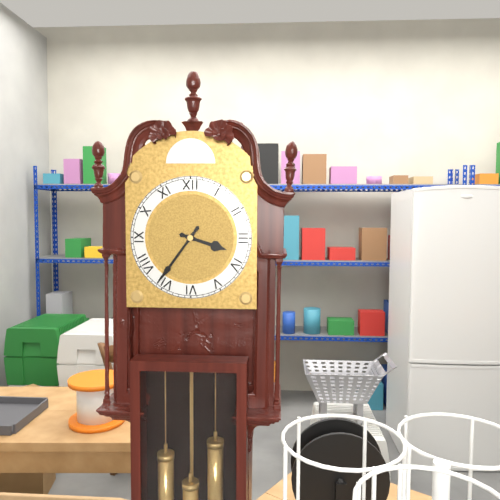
3:36
